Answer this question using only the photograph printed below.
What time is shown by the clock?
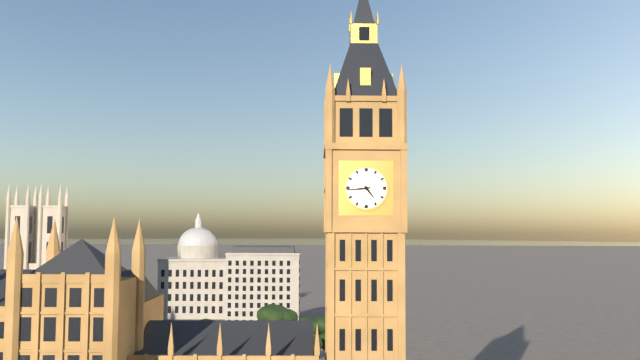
4:44
